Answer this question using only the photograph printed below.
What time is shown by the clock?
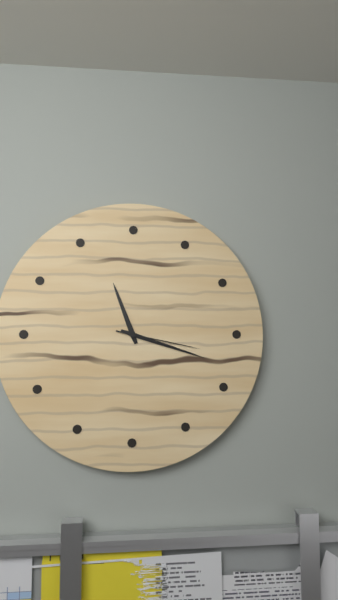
11:18:17
